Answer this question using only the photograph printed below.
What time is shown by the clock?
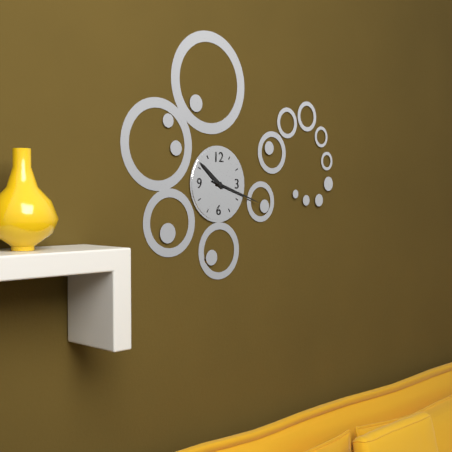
10:18
